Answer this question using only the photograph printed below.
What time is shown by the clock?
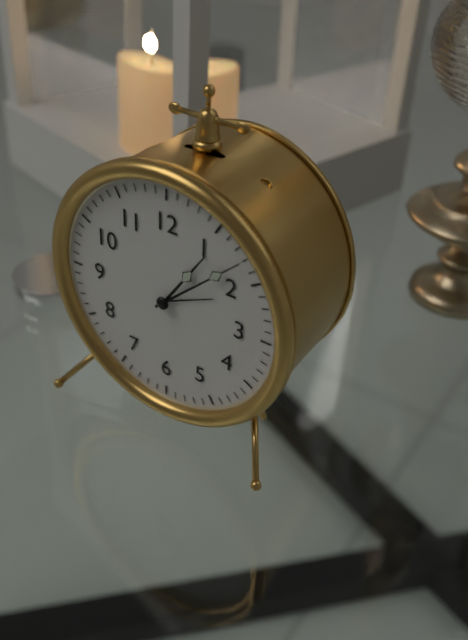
1:08
